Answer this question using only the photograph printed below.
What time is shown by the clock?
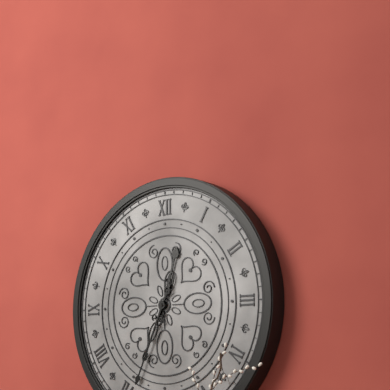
12:34
